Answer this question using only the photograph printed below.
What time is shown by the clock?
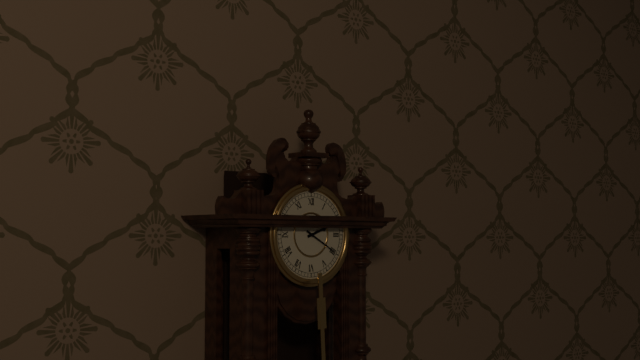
2:20
